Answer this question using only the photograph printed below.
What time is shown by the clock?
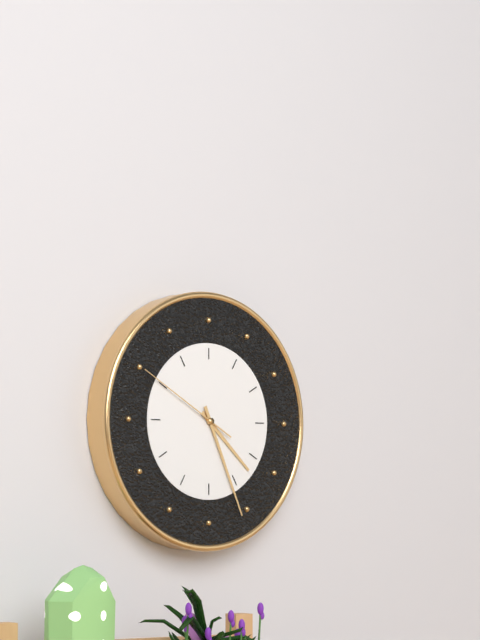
4:26:50
